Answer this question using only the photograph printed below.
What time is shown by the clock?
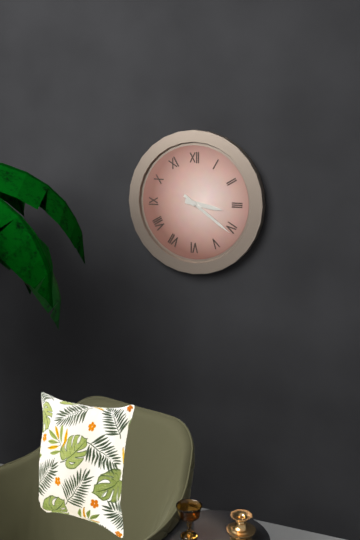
3:21
